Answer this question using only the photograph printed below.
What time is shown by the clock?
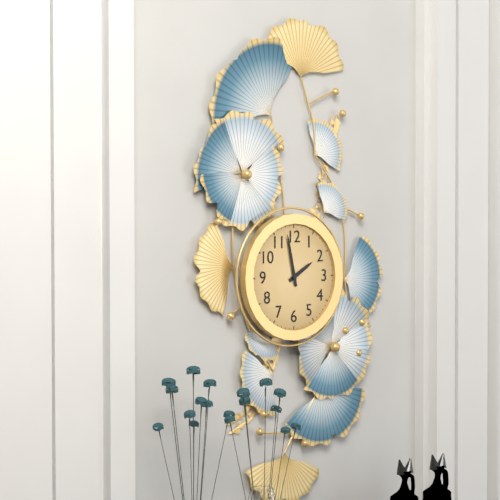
1:58
